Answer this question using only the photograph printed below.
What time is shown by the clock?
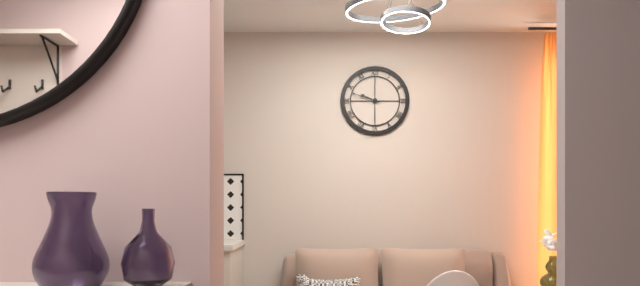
9:48
